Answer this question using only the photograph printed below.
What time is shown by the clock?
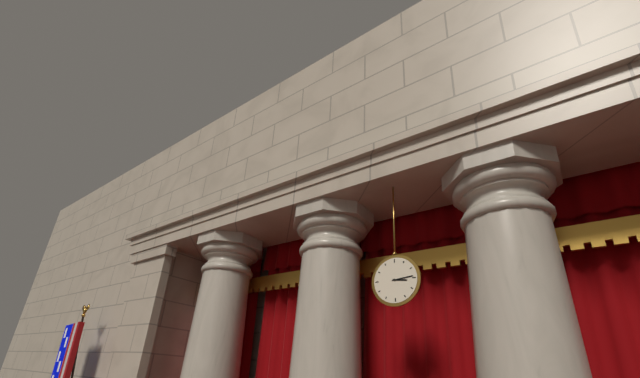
3:14
